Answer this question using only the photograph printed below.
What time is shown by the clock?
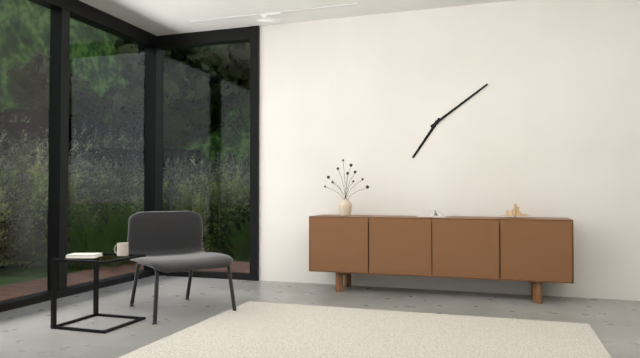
7:09
